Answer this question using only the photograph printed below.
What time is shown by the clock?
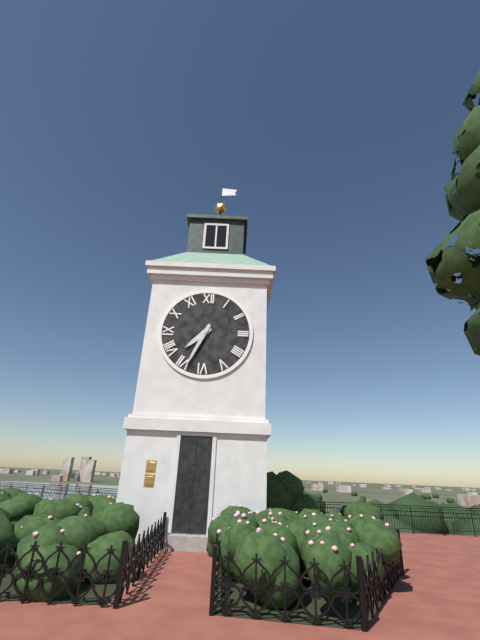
7:34
